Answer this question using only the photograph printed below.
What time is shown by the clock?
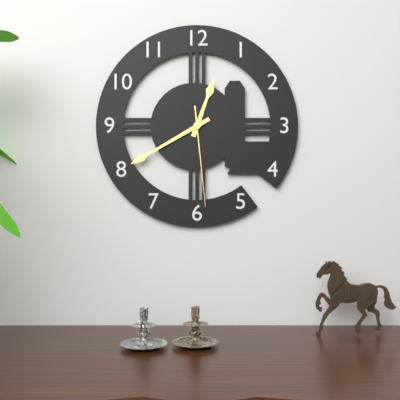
12:40:29
